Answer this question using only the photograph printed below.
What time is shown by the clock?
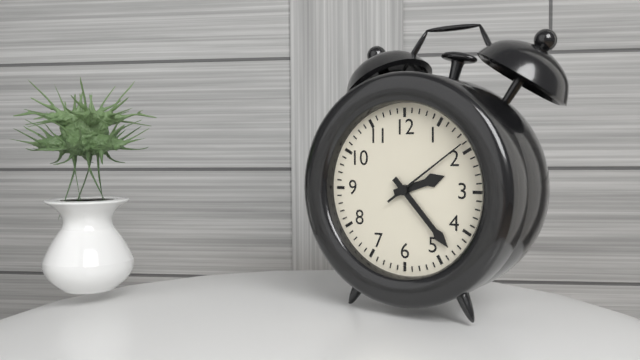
2:23:09
